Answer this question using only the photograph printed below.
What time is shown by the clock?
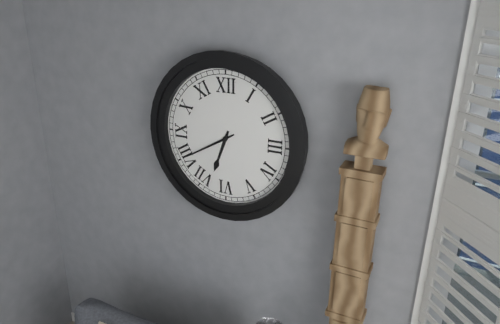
6:40
